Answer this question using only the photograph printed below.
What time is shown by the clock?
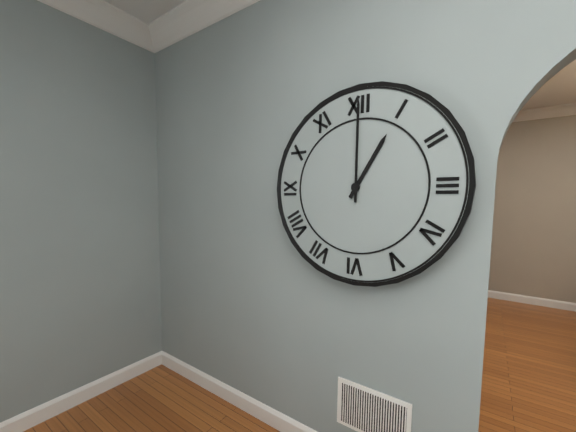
1:00
